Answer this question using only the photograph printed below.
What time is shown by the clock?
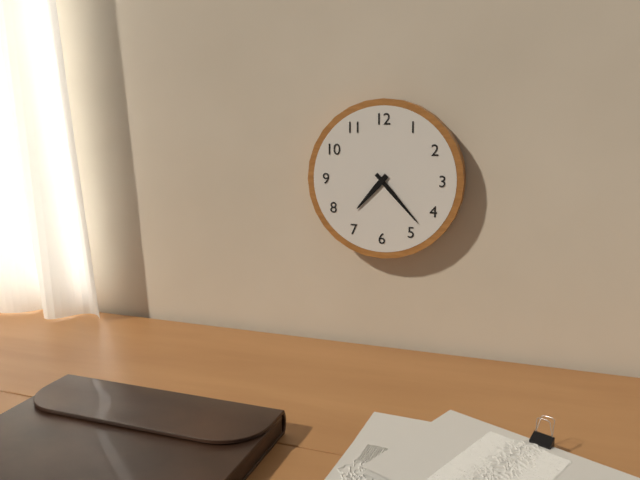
7:23
